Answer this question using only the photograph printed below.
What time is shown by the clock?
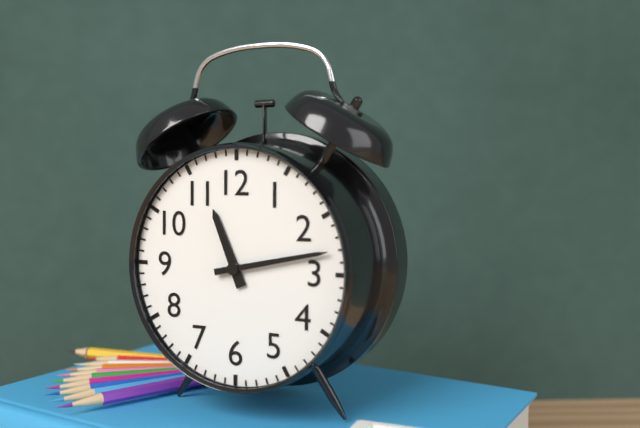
11:13
